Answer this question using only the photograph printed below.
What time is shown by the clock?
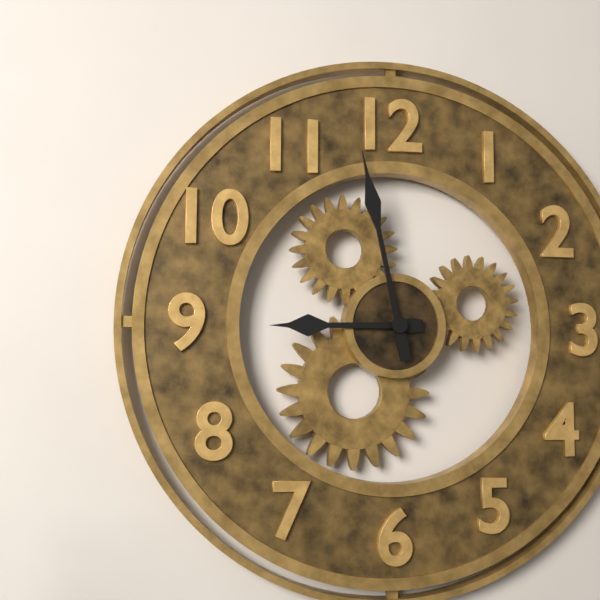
8:58
